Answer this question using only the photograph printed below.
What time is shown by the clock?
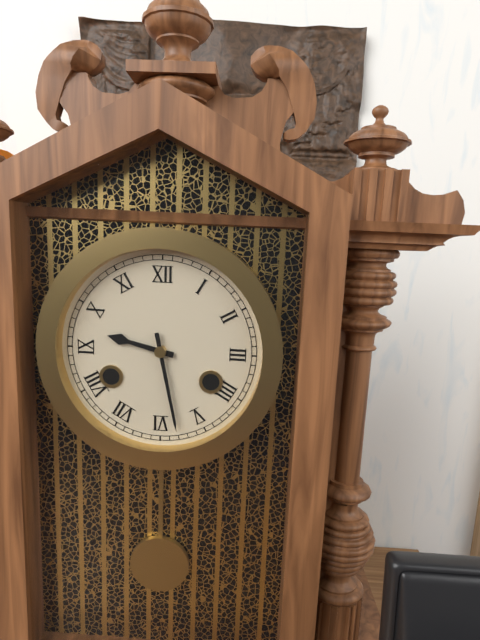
9:28
